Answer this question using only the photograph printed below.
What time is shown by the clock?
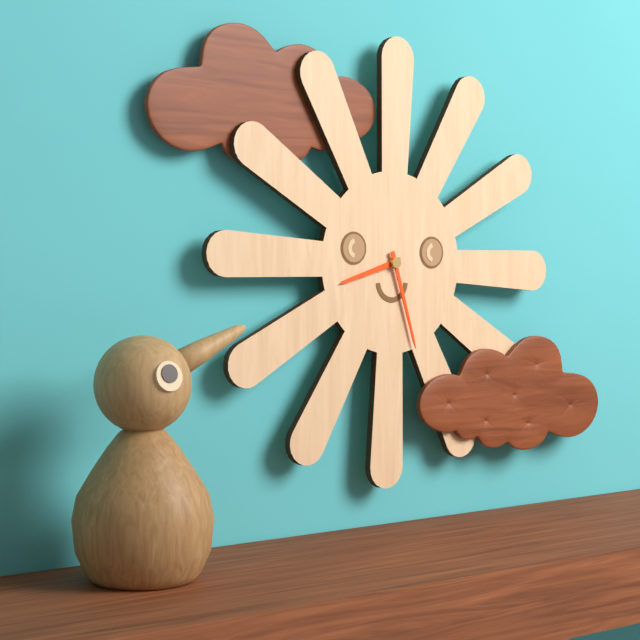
8:27
